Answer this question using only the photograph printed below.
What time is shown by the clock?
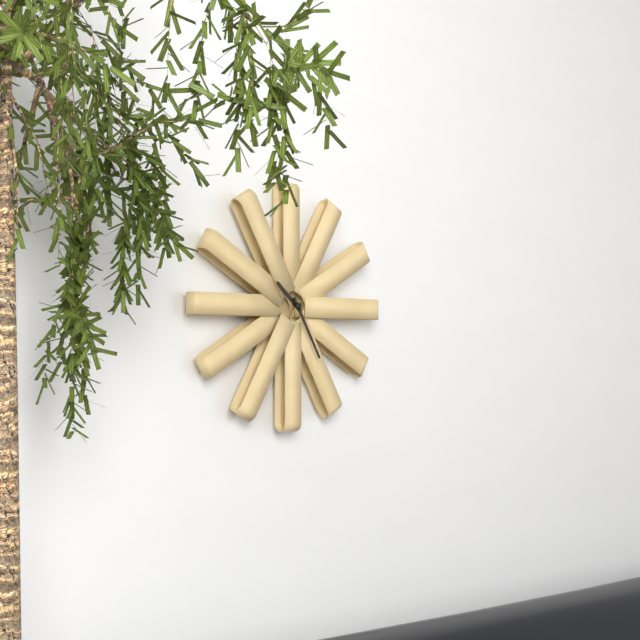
10:25
